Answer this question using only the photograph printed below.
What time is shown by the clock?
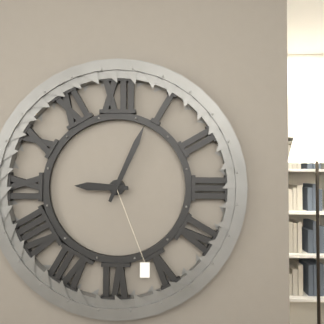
9:04
